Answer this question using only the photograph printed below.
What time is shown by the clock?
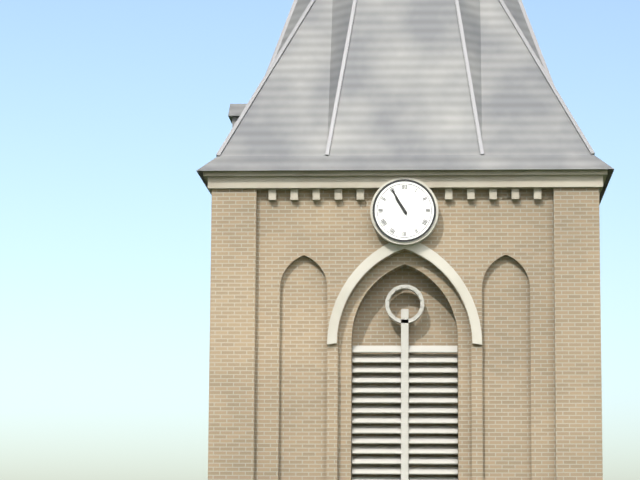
10:55
